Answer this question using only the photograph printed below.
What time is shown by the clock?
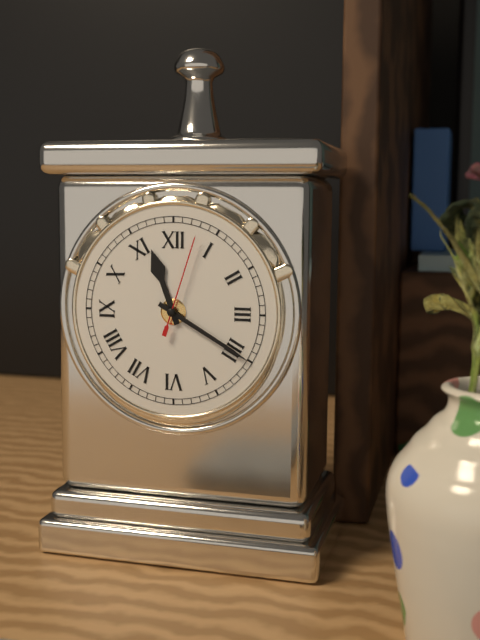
11:20:03
